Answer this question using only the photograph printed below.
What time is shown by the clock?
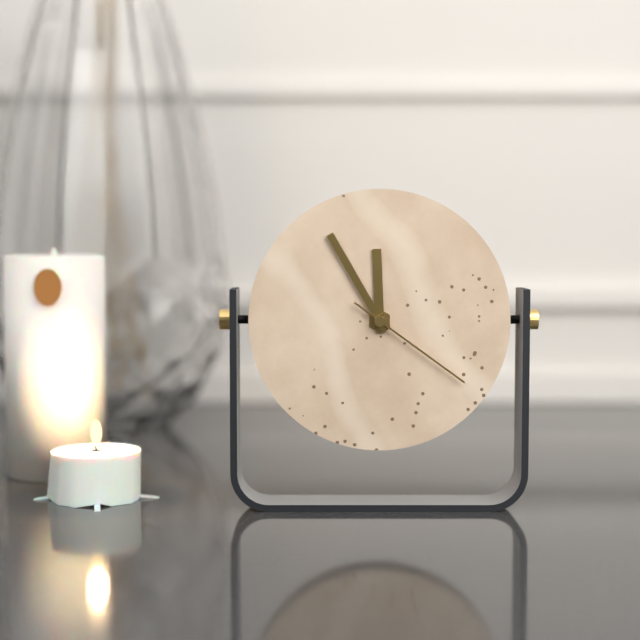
11:55:21
